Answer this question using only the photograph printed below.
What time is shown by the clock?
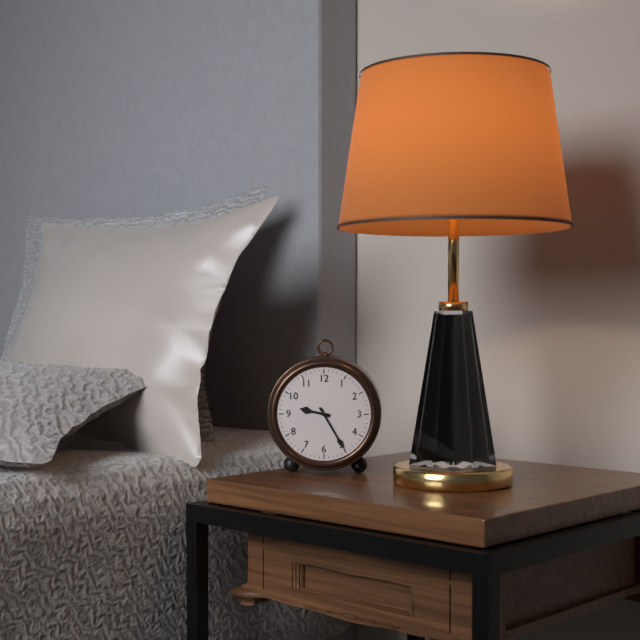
9:25
